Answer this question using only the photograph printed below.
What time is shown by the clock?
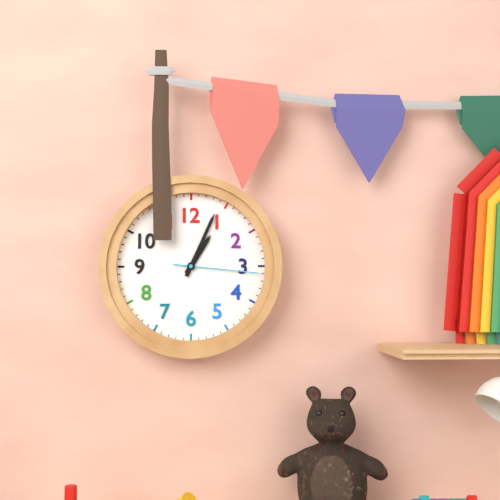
1:04:16
